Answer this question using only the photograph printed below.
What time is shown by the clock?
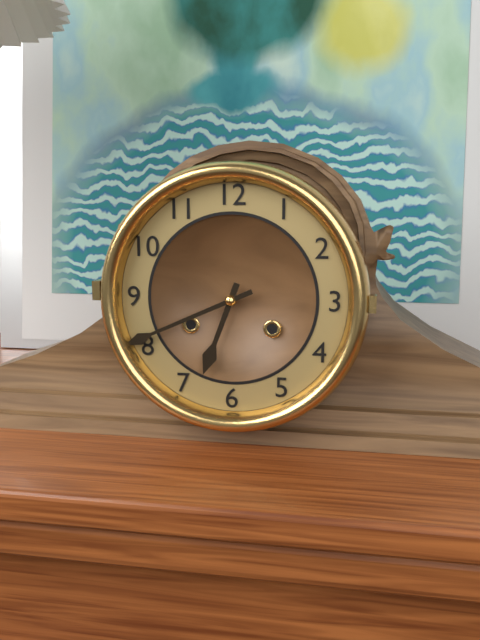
6:41
